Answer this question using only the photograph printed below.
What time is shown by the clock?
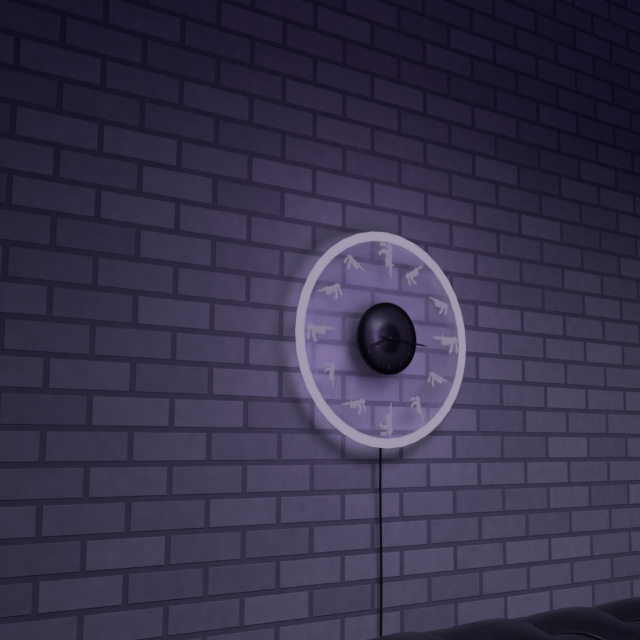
8:16
